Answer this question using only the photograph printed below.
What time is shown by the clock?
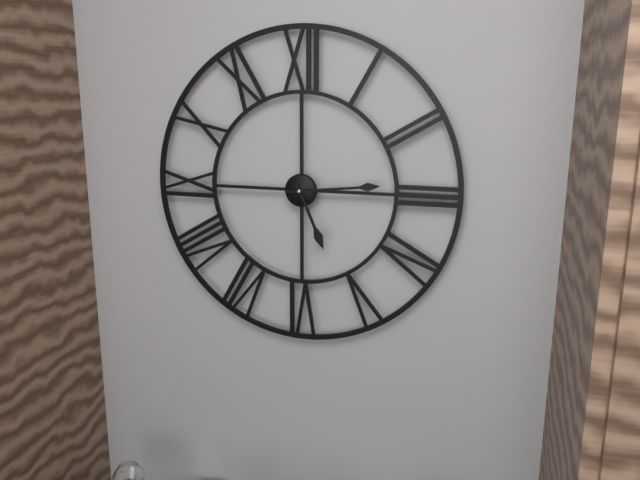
5:14
